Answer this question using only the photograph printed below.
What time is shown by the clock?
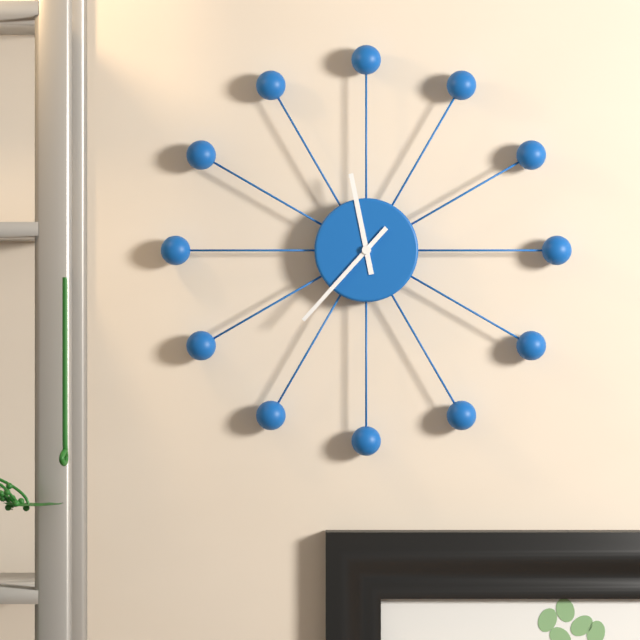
11:37
